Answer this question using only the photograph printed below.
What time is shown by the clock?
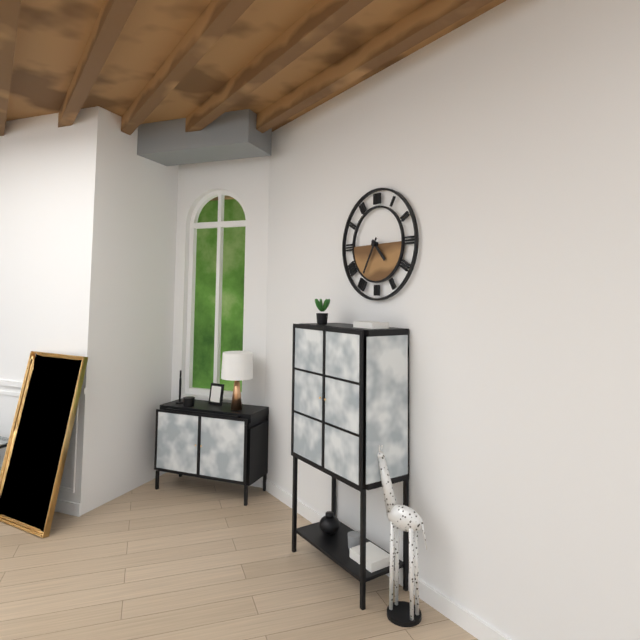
4:35
